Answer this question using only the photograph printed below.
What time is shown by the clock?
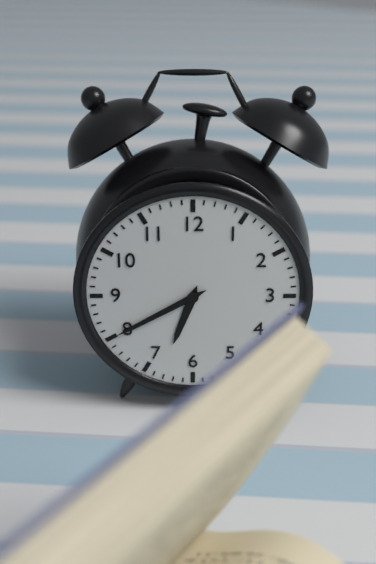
6:40
